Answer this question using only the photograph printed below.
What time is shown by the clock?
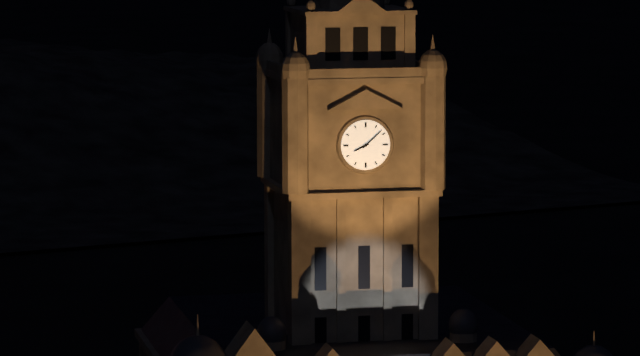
8:08
